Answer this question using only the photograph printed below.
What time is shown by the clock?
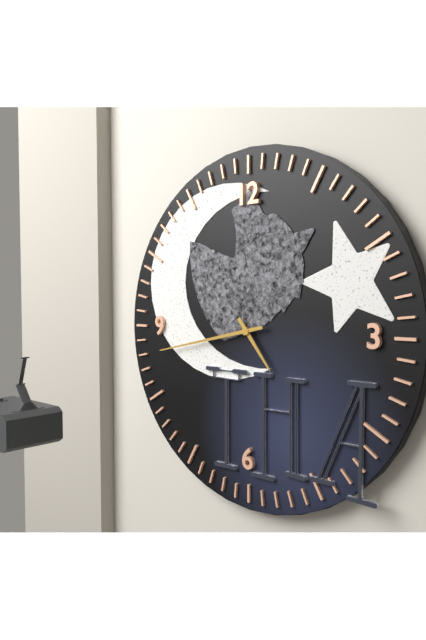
4:43
